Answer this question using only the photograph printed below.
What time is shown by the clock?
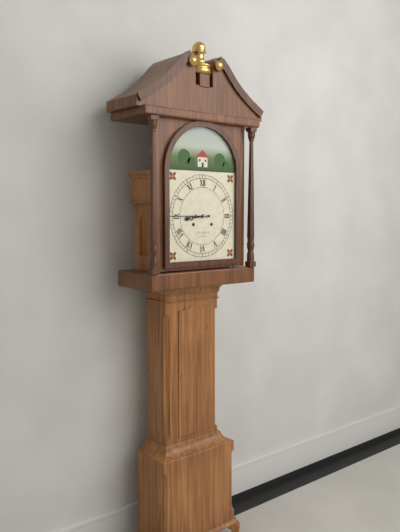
8:45
